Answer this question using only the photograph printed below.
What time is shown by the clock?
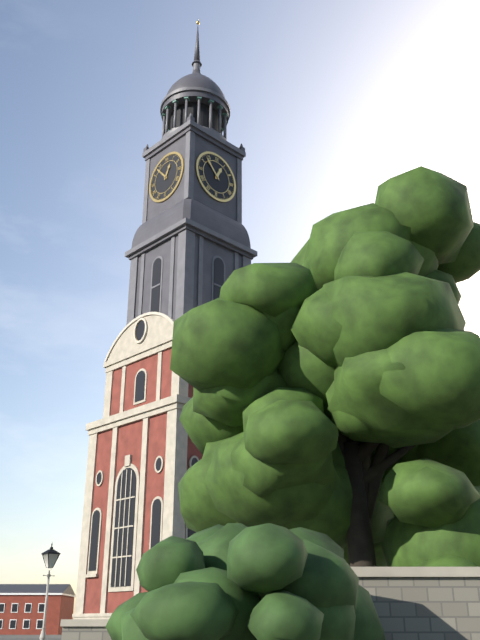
12:53
